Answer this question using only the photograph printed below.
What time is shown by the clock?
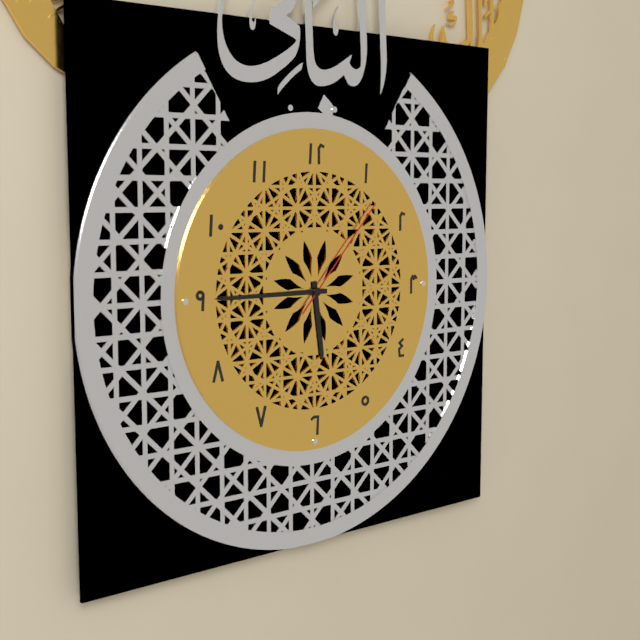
5:45:07
